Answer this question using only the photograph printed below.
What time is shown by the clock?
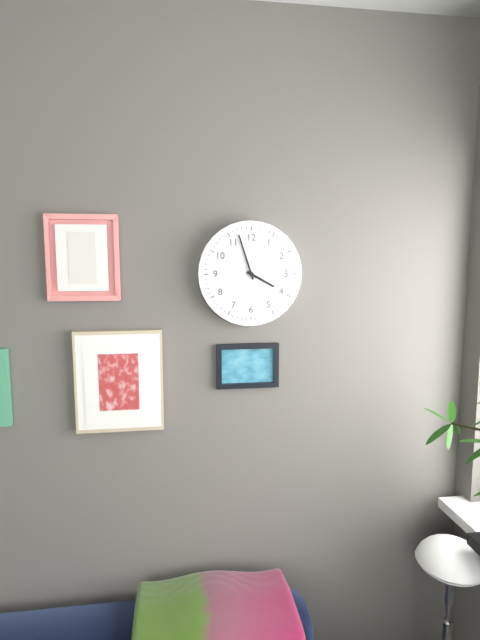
3:57
